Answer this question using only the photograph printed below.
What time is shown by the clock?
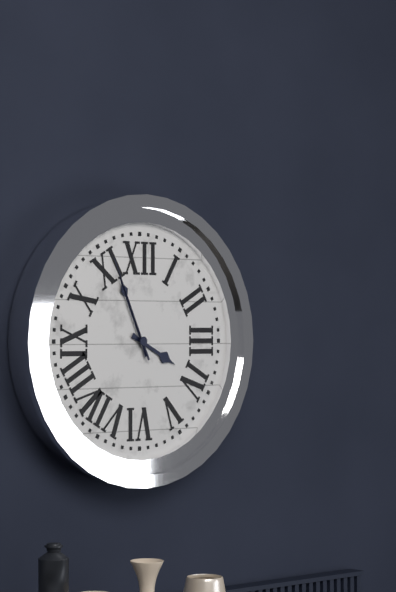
3:56:56
